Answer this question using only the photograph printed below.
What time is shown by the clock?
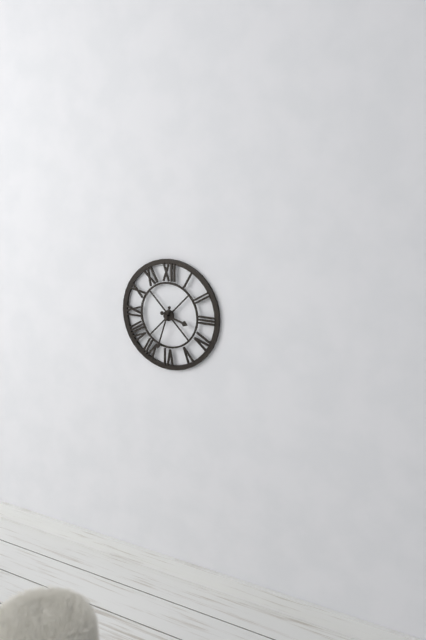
3:33
